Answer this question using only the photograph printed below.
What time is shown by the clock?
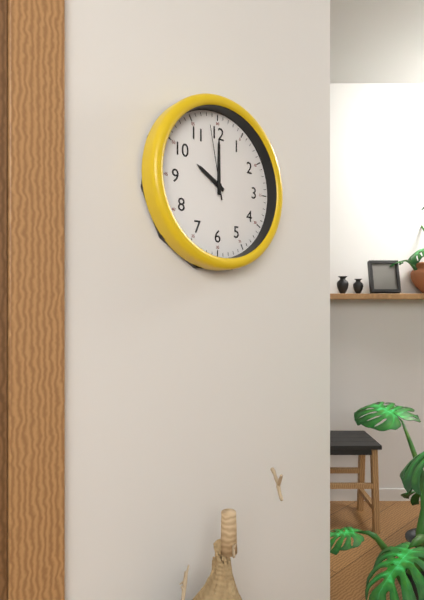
10:00:58
